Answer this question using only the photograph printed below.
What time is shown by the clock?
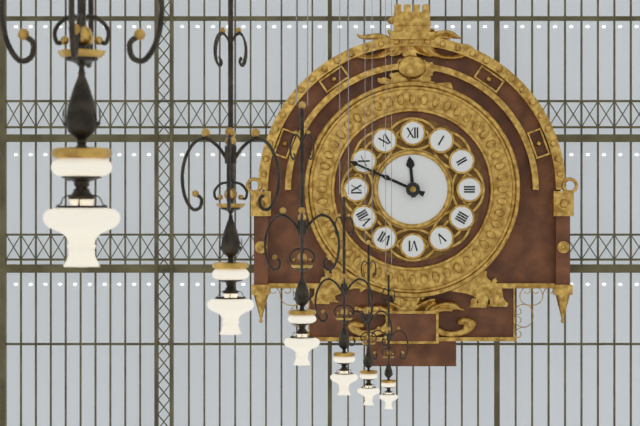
11:49
